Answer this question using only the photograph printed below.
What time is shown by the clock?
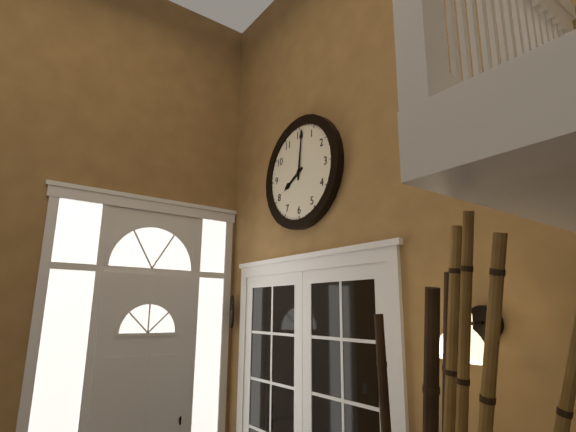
8:01
